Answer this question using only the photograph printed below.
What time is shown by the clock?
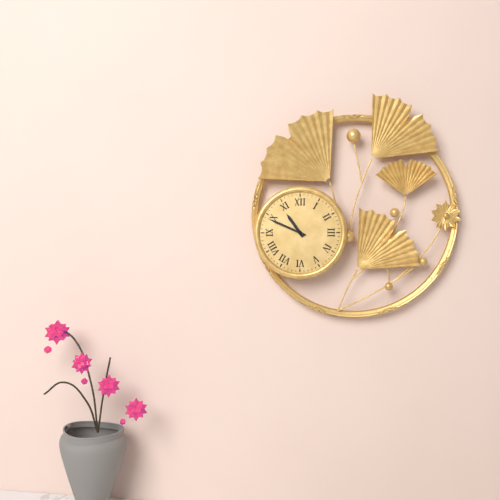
10:49
